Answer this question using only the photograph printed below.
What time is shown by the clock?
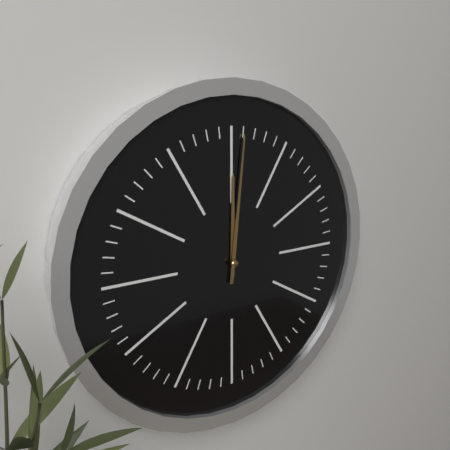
12:01
